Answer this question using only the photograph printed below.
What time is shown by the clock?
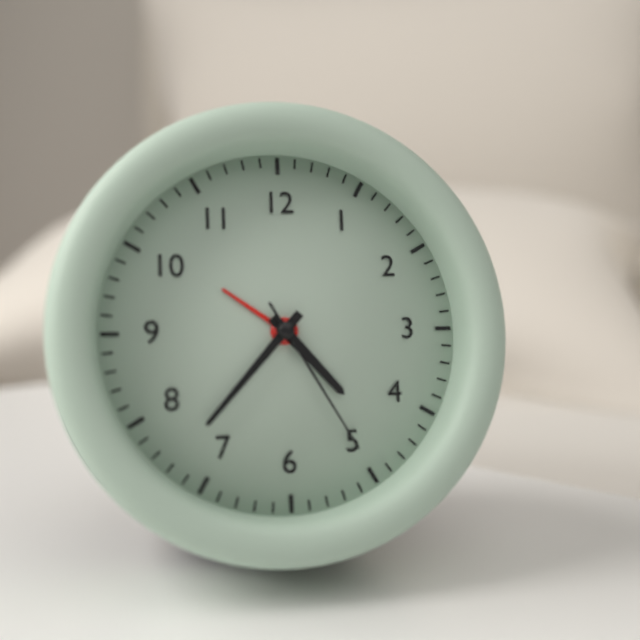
4:37:25
